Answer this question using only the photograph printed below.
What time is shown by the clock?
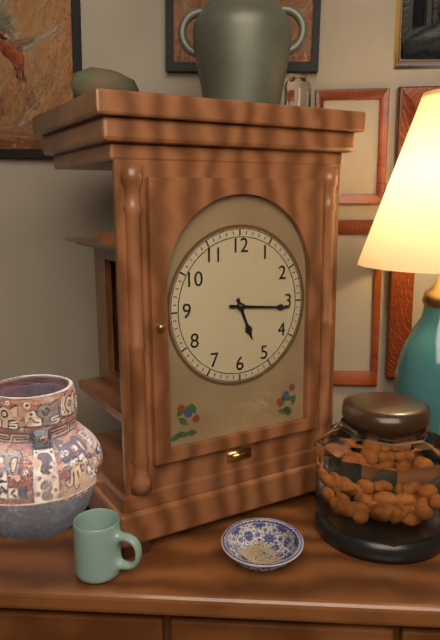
5:16
